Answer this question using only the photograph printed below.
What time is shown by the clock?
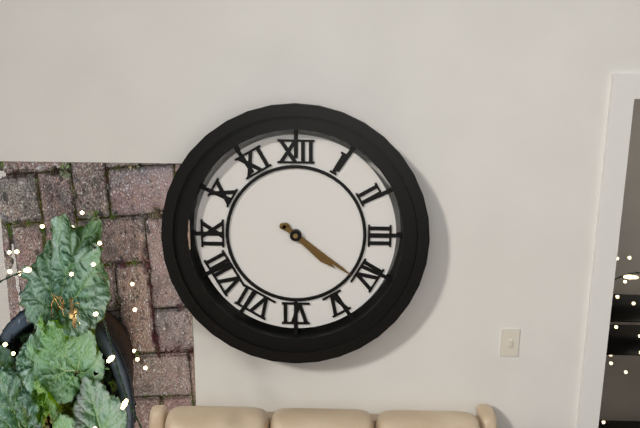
4:21
